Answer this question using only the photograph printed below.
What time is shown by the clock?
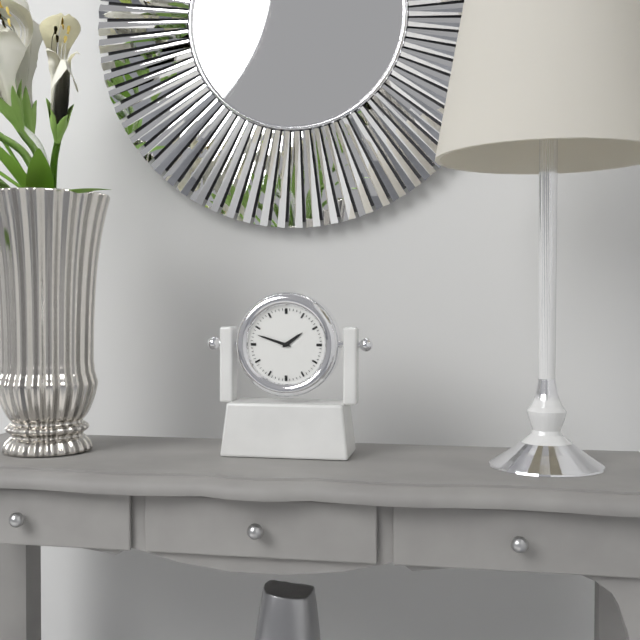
1:48
